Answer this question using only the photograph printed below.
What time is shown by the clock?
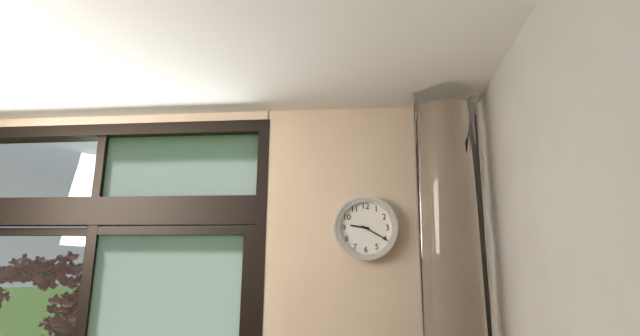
9:20
